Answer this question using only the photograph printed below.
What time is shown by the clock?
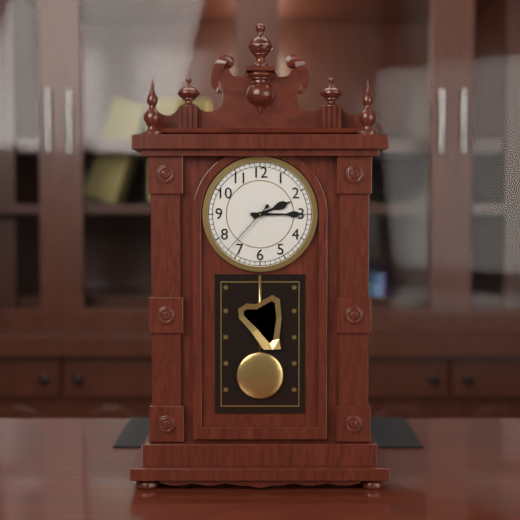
2:15:37
